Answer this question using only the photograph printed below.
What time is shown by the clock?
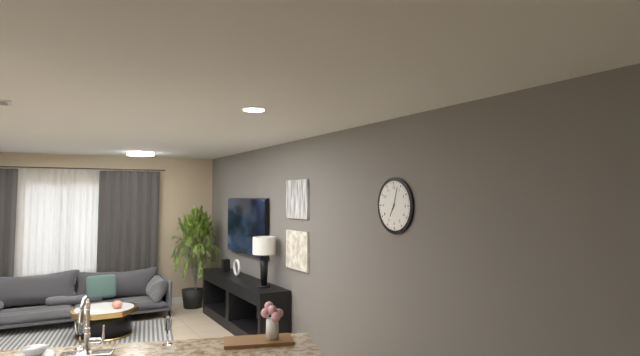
7:03
